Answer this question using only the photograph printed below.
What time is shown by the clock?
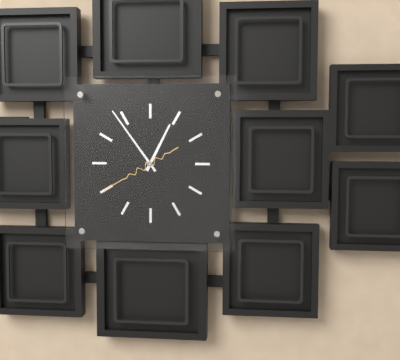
12:54:40
